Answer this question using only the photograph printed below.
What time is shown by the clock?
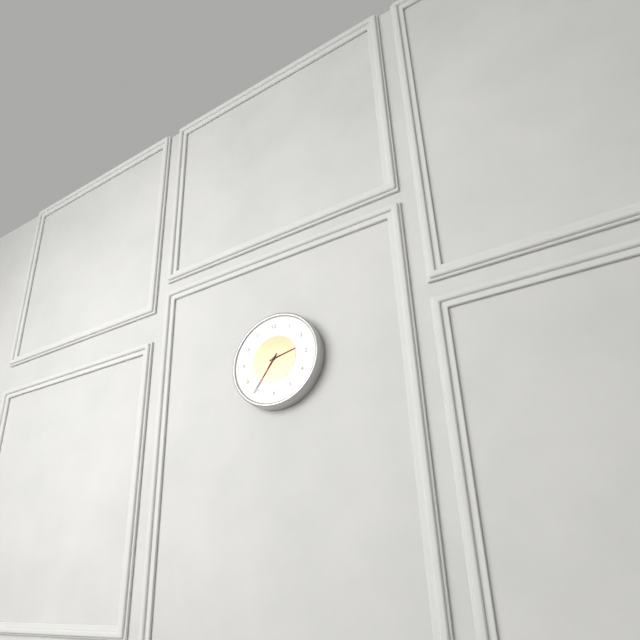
2:36
